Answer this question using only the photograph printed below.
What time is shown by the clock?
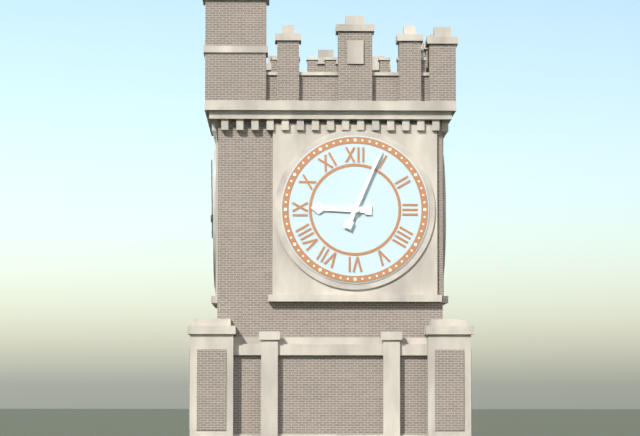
9:04
